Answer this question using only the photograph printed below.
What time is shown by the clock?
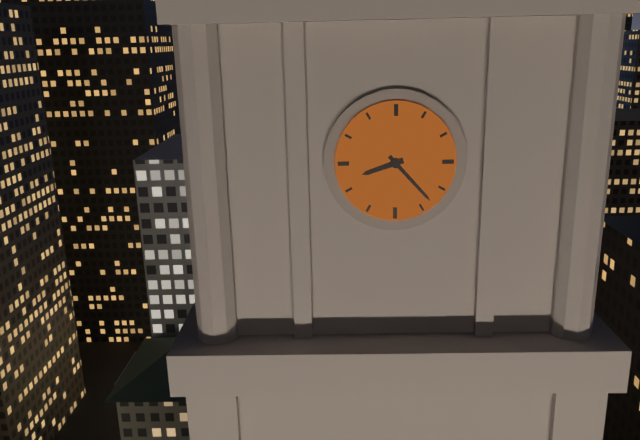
8:23
